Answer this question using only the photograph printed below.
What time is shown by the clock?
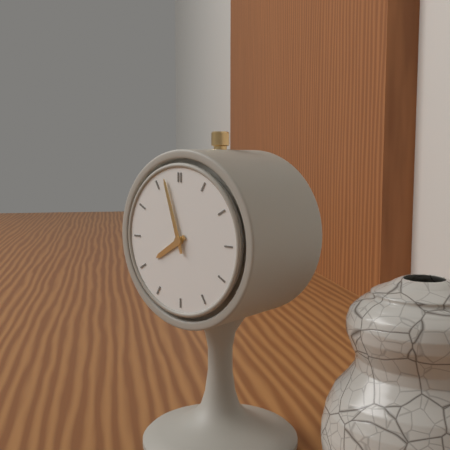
7:57
